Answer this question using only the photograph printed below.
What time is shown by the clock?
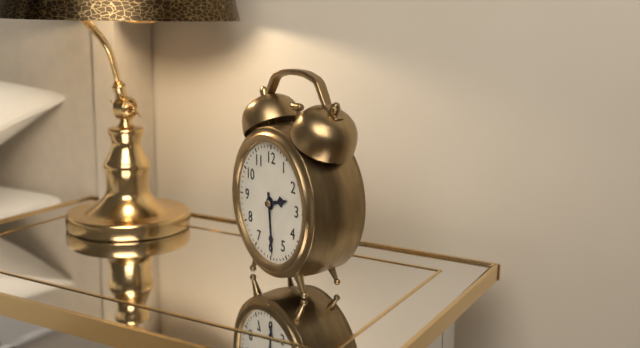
2:29
